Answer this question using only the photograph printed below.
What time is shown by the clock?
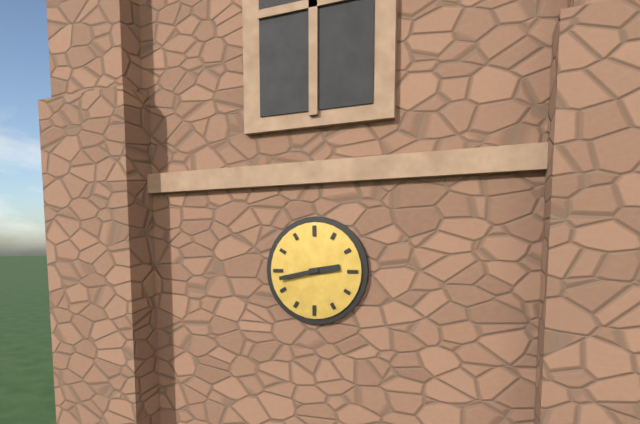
2:43
